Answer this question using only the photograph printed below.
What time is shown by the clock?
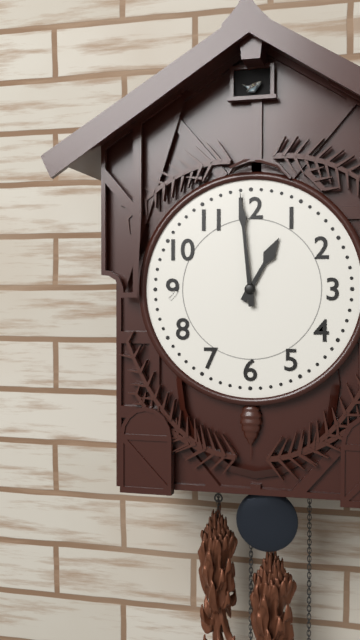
12:59
